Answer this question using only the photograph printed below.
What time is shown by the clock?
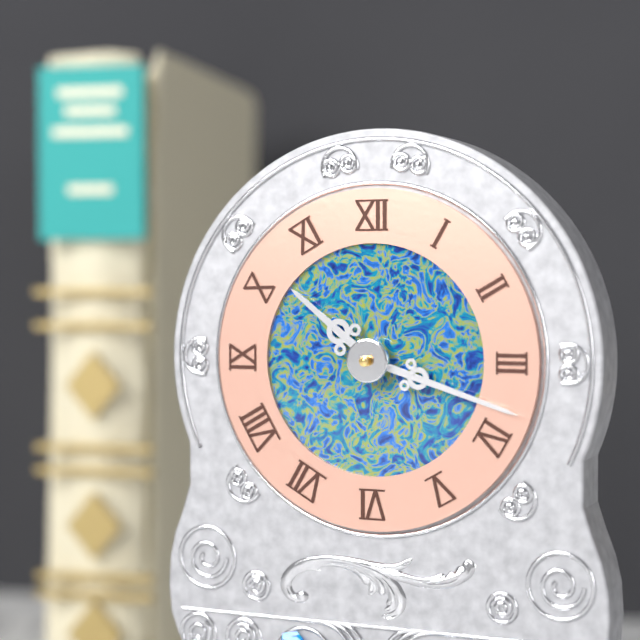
10:18
